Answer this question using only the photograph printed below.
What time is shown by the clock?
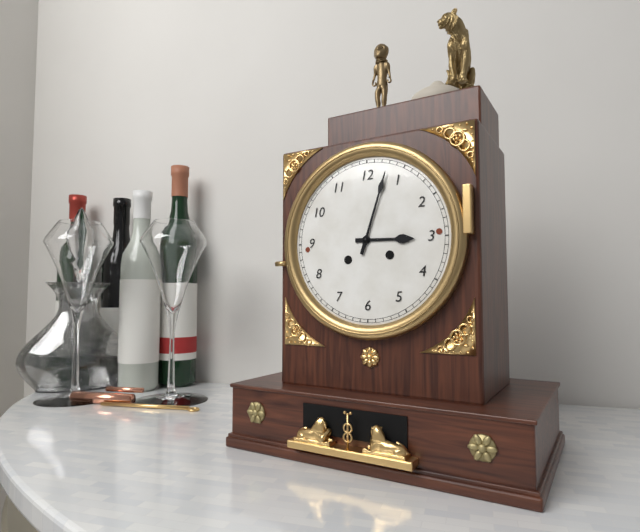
3:03
